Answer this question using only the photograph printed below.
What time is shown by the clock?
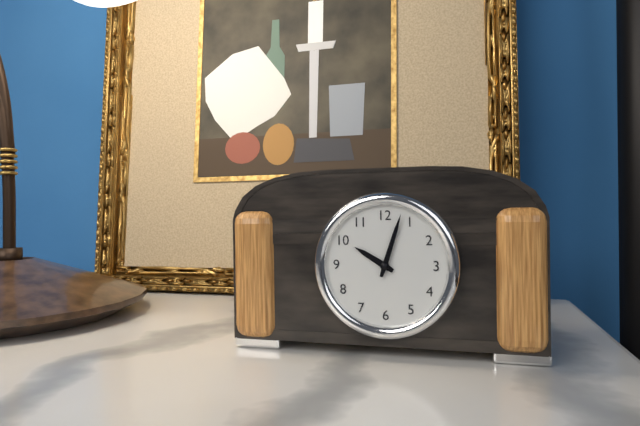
10:03
